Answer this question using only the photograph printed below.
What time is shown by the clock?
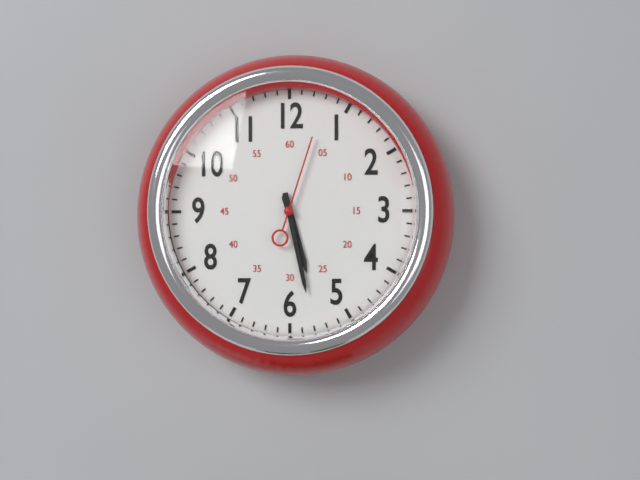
5:28:03
